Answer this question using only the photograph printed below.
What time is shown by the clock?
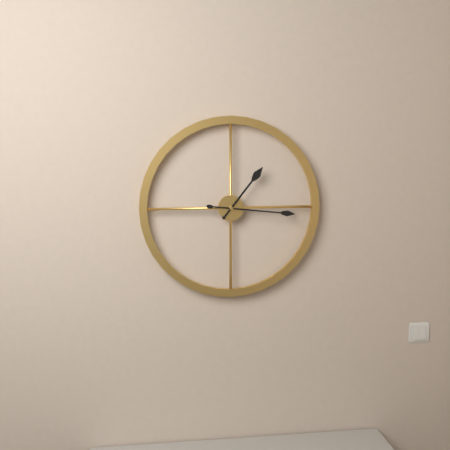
1:16
